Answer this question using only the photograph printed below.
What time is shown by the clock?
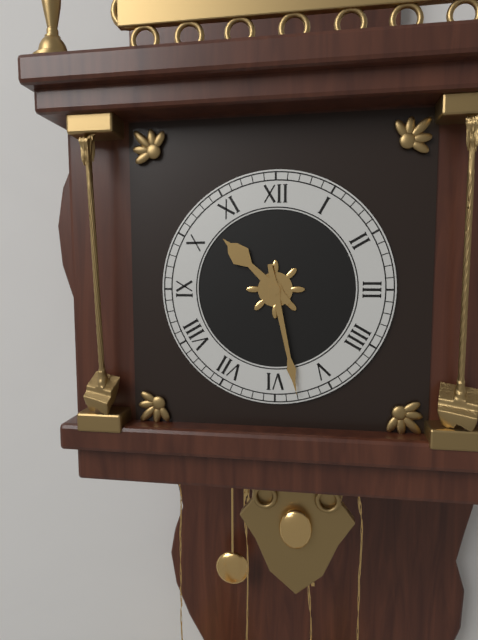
10:28
